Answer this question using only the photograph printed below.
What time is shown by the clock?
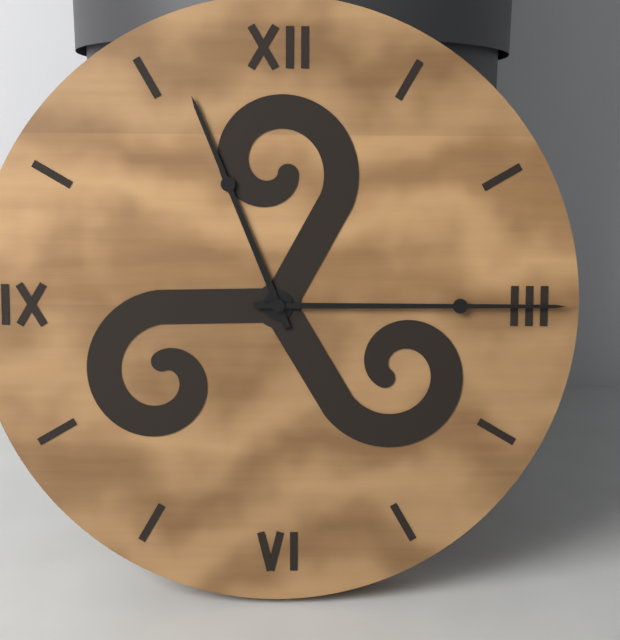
11:15
